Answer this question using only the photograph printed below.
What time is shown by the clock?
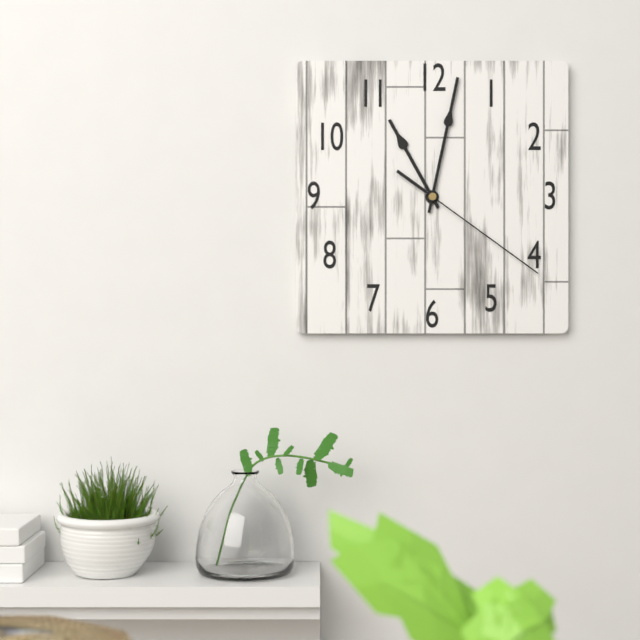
11:02:21
